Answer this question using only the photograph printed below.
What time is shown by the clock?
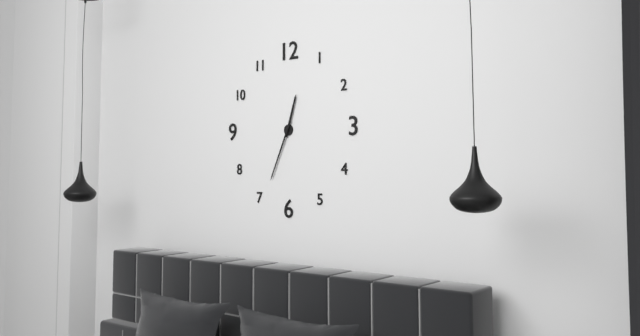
12:34
